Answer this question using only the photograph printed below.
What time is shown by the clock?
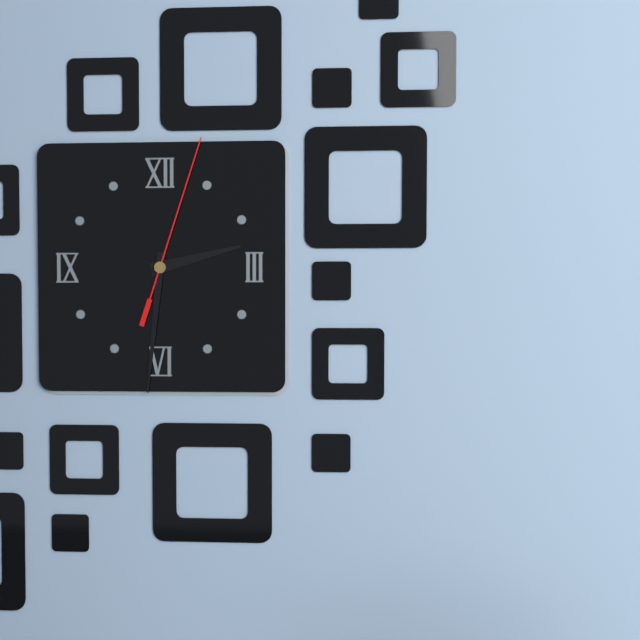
2:31:03
